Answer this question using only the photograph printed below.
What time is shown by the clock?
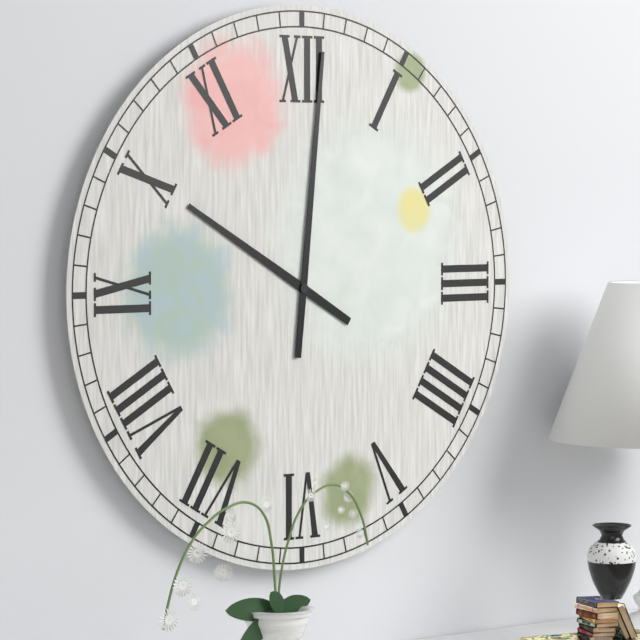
10:01
